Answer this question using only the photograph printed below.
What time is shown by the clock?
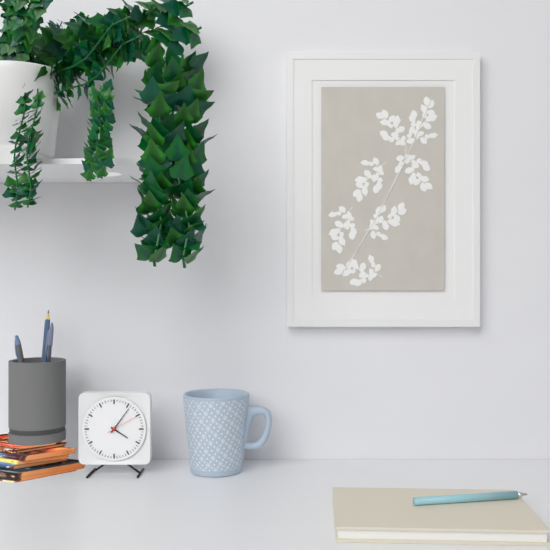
4:06
